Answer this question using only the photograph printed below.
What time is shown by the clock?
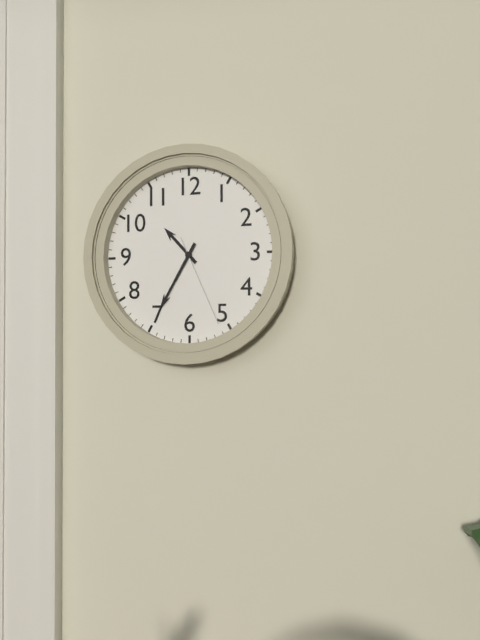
10:35:26
